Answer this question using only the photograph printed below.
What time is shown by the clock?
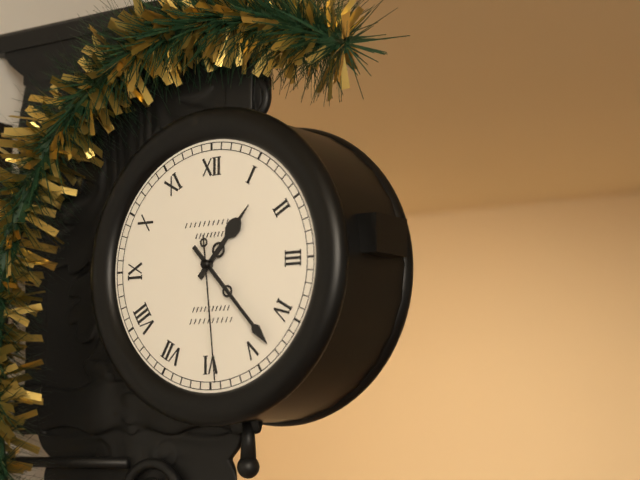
1:23:29
